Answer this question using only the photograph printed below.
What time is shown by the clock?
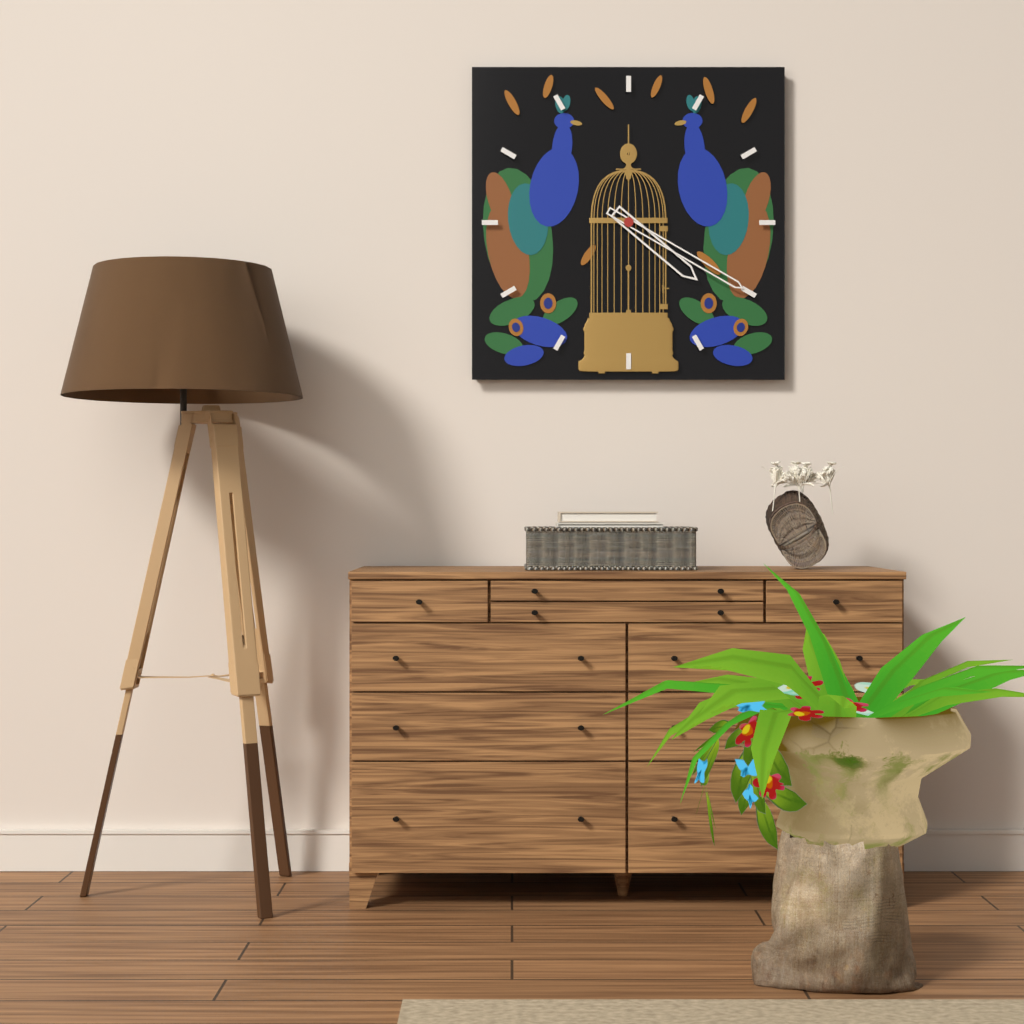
4:20
